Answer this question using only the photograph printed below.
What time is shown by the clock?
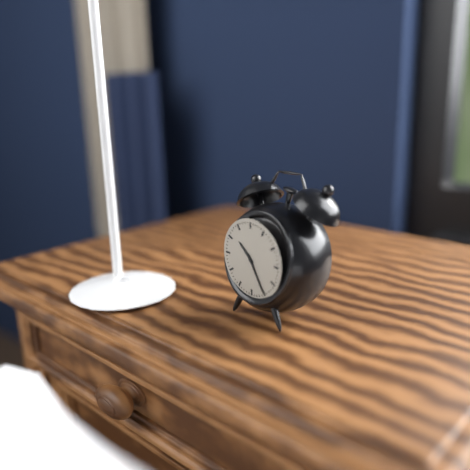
10:25
